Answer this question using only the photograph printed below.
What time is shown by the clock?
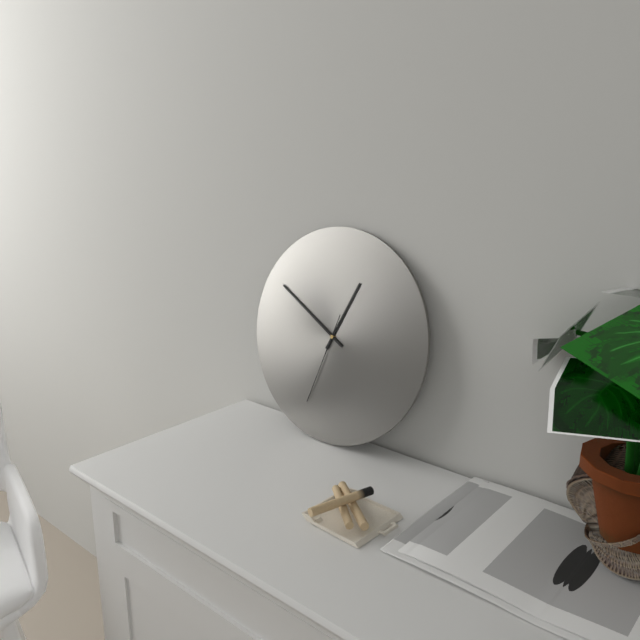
12:50:33
